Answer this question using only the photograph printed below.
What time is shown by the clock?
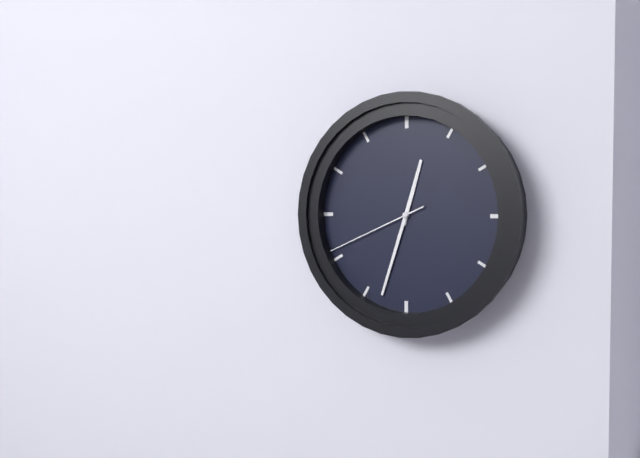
12:33:41
